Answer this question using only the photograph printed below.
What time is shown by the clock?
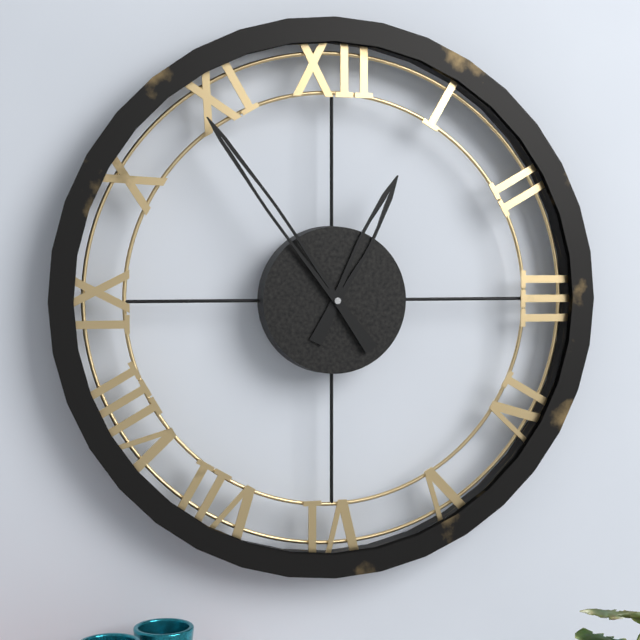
12:54
